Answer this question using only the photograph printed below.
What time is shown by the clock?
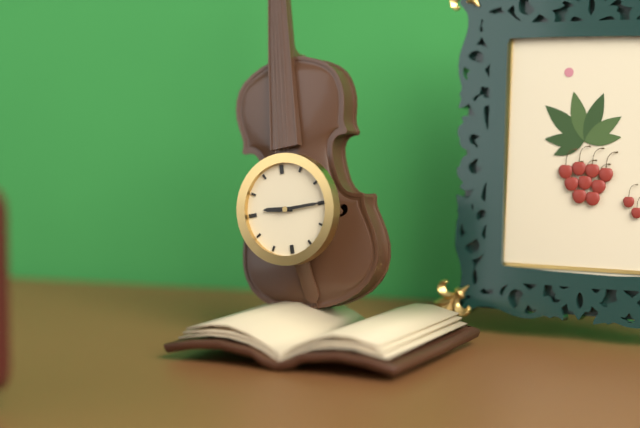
9:15
